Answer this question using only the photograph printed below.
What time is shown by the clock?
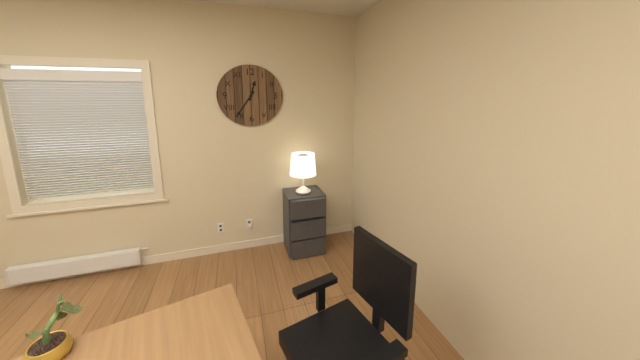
12:36
